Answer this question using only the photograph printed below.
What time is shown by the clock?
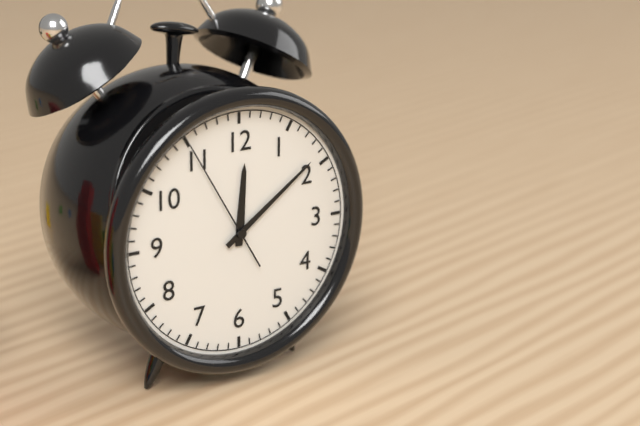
12:09:55
